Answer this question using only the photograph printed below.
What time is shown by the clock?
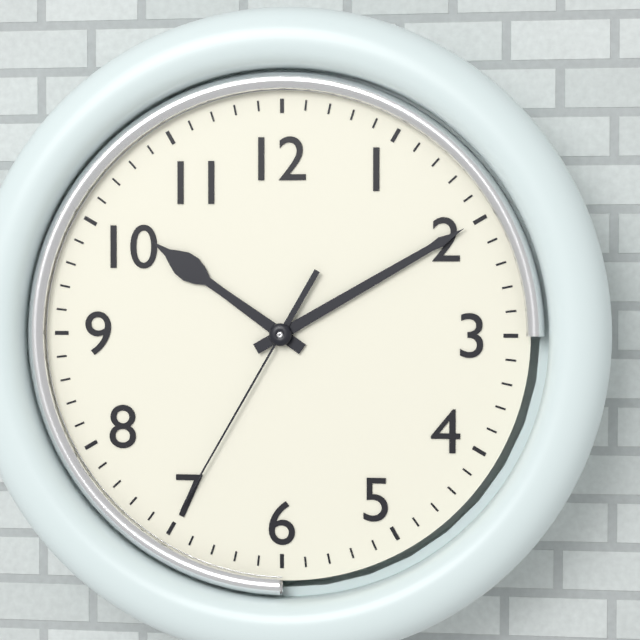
10:10:35
